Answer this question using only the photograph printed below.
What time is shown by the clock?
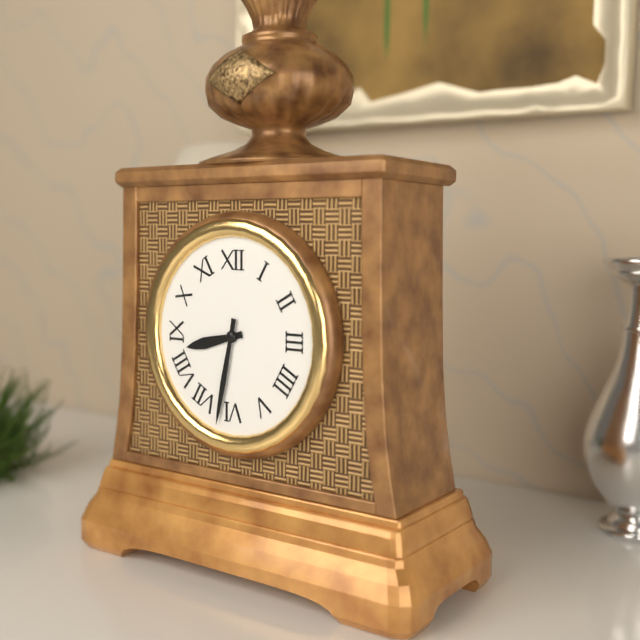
8:32
